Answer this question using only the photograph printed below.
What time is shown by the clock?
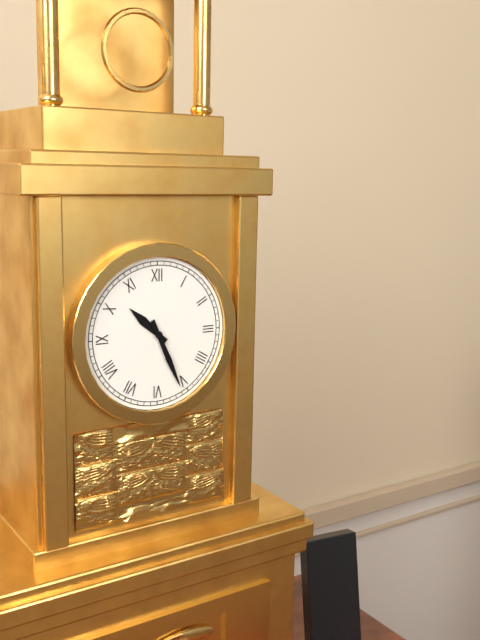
10:26
